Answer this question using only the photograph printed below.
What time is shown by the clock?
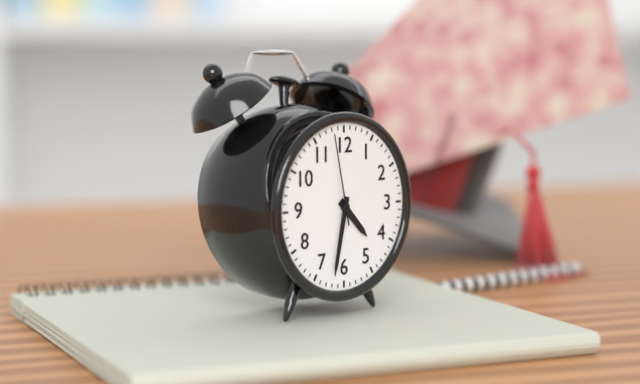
4:32:58
